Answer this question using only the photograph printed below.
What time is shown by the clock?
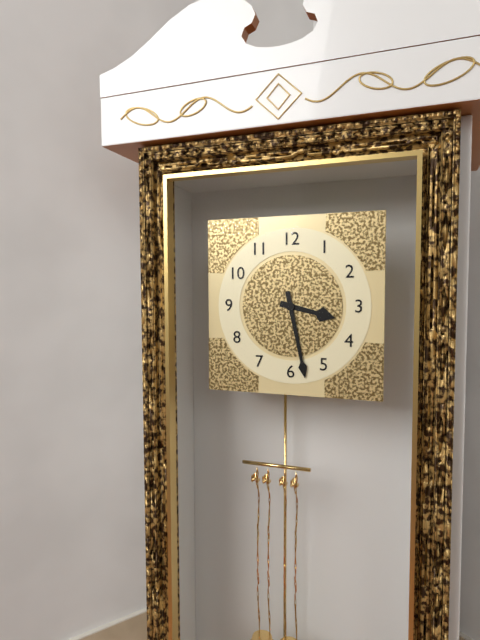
3:28
